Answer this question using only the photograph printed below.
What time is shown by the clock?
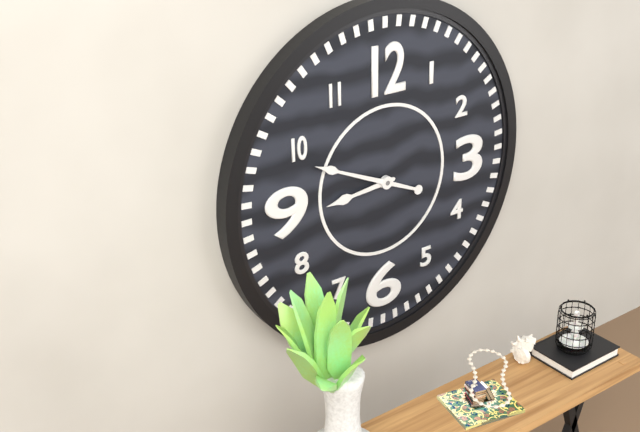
8:49
